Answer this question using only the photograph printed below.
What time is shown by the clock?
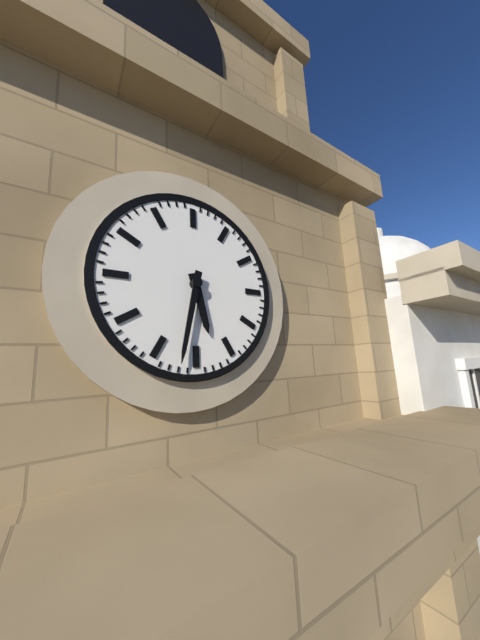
5:32
